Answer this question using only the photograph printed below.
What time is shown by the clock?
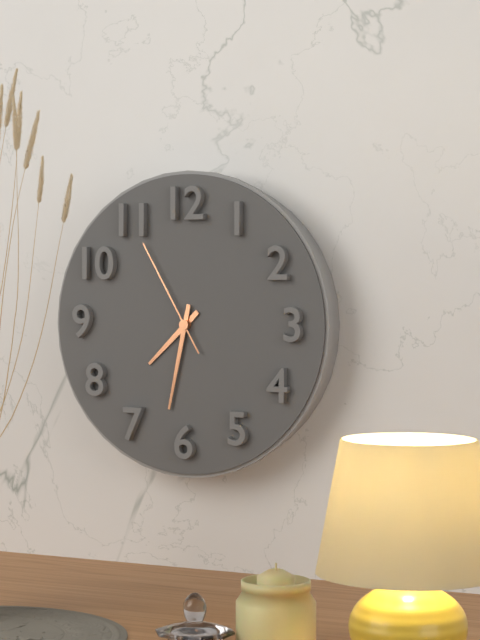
7:32:55
